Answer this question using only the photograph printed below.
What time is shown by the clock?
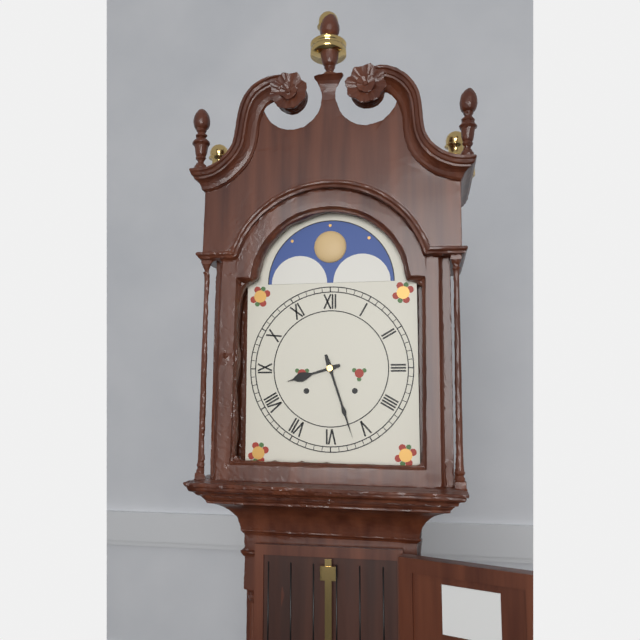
8:27
